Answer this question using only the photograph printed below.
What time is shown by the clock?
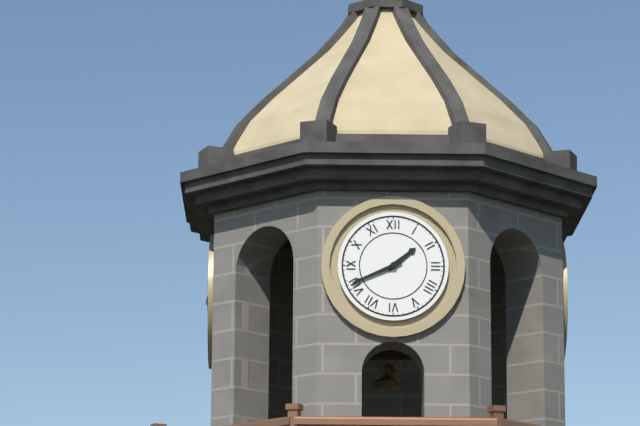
1:41
